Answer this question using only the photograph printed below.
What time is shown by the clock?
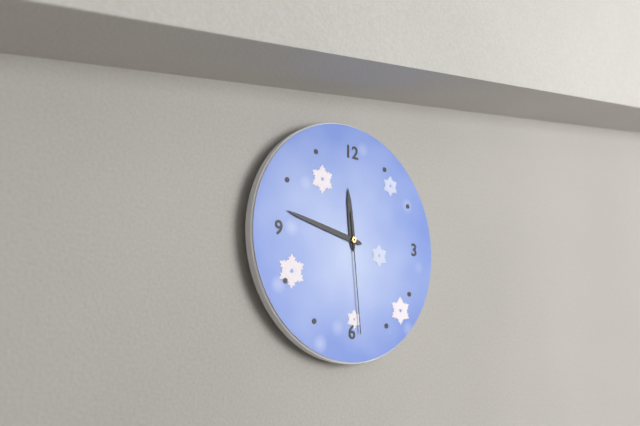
11:47:29
